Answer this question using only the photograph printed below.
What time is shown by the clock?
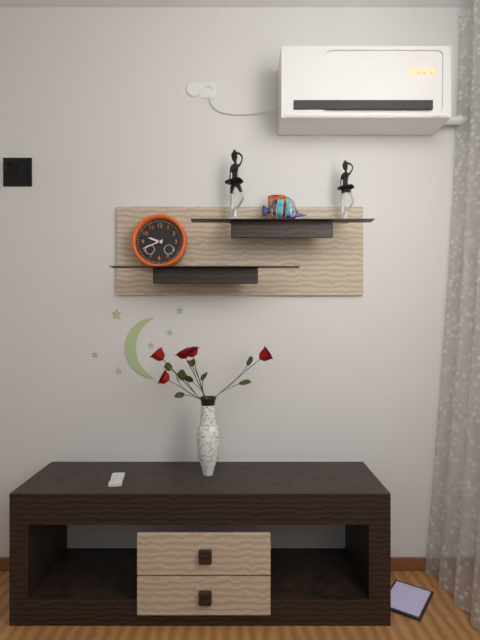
9:41
